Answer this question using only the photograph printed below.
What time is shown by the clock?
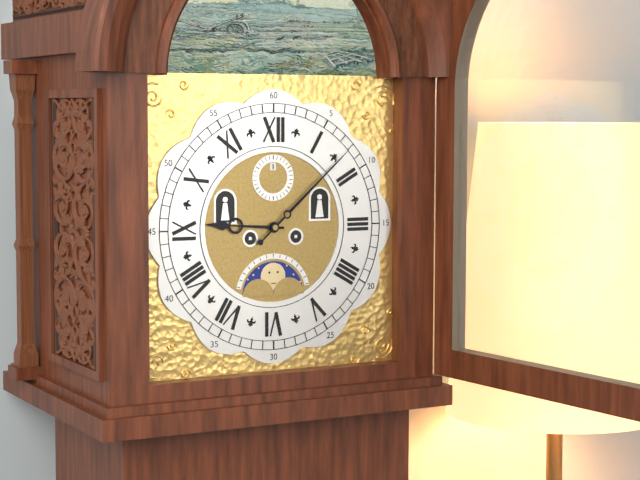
9:08
